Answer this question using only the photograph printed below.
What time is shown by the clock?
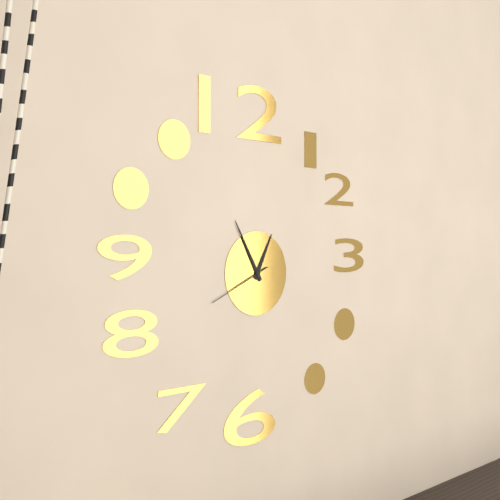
12:55:41
